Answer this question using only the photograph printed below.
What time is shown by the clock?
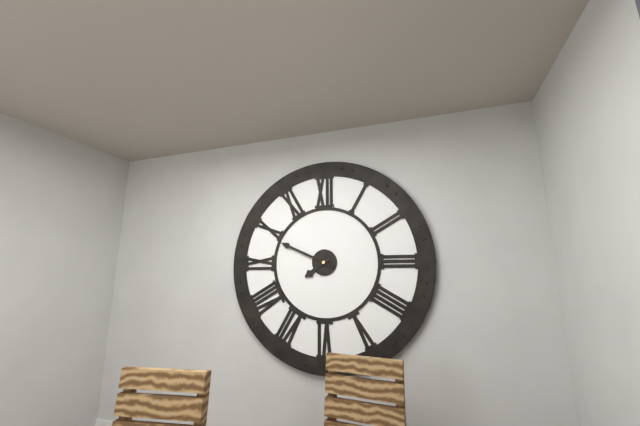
7:49
